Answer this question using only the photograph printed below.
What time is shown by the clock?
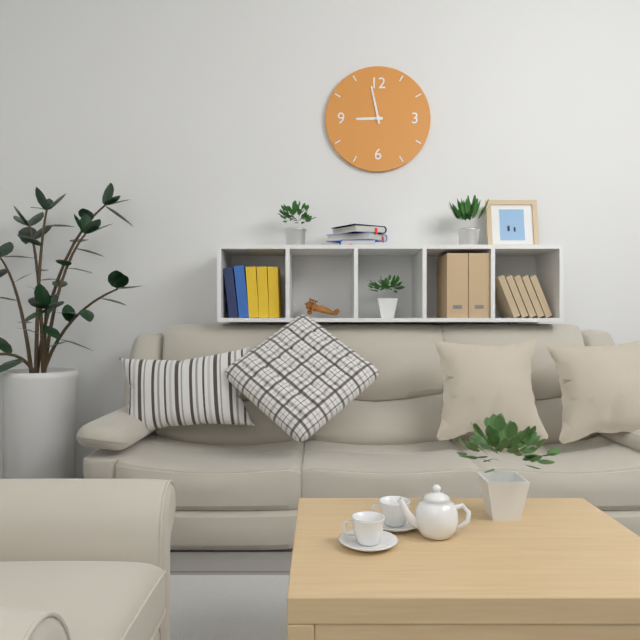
8:58
